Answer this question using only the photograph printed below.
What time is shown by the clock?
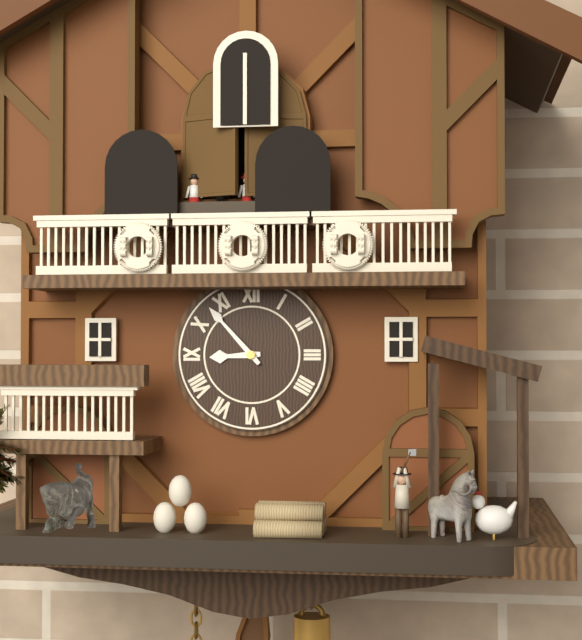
8:53
